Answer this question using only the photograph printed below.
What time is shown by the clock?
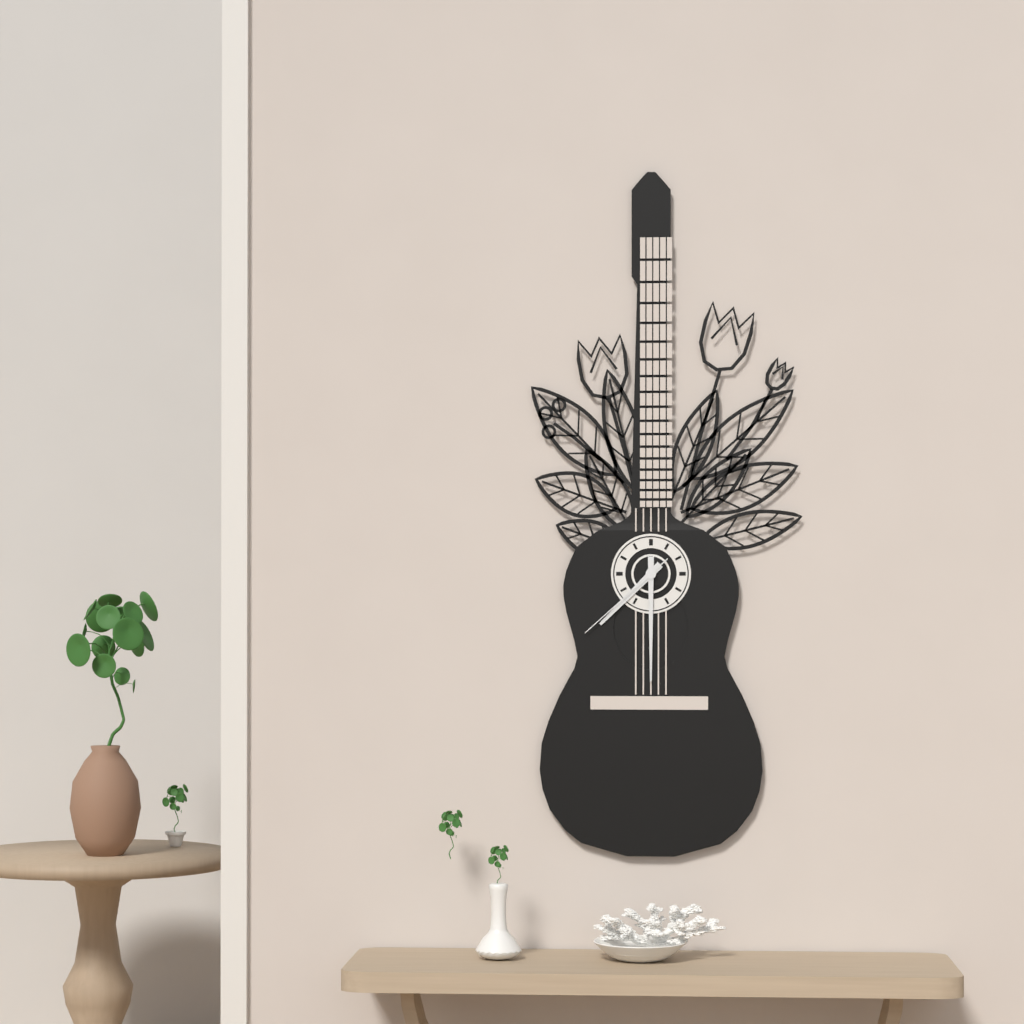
7:30:38
